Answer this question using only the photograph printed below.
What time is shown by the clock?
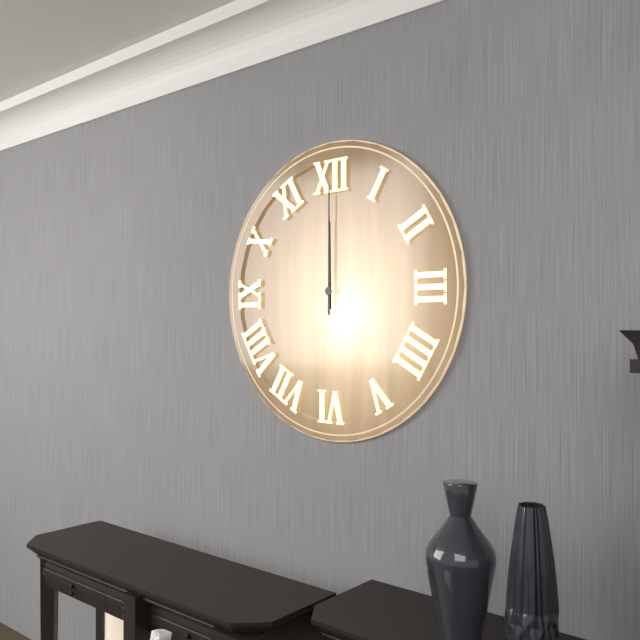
12:00
